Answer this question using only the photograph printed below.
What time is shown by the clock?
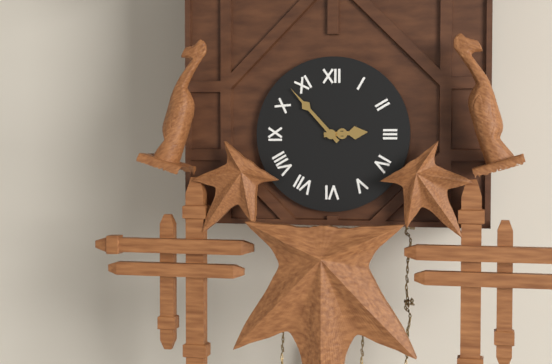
2:53
